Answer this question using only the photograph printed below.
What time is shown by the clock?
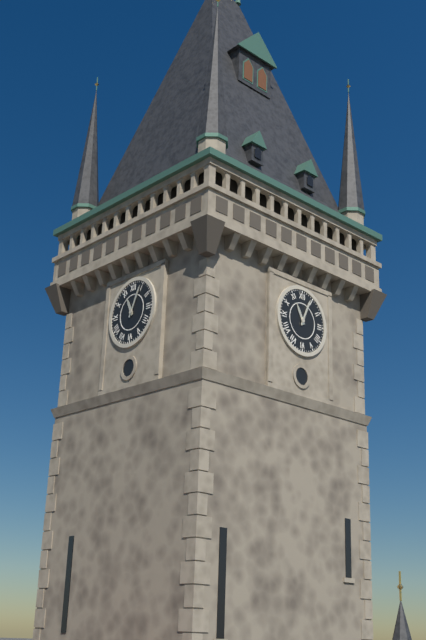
11:04
